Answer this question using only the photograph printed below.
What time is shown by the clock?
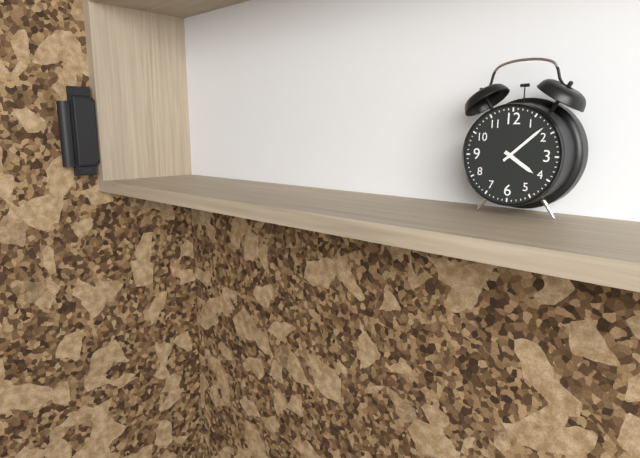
4:08
